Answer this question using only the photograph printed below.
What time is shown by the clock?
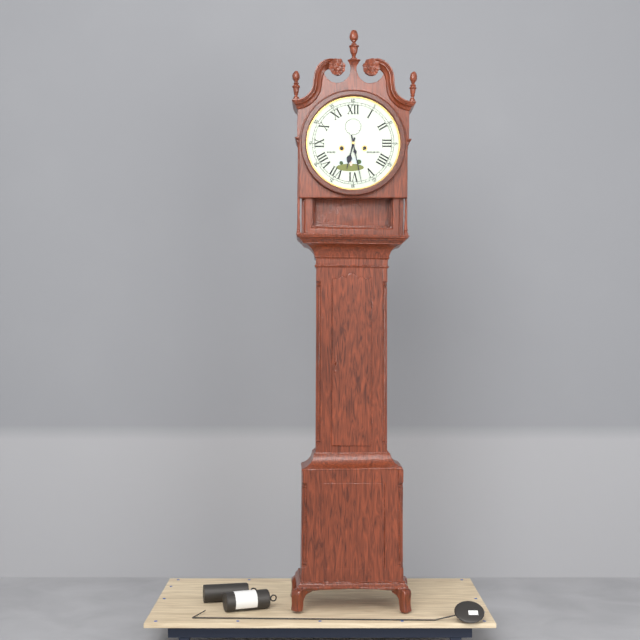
6:28
